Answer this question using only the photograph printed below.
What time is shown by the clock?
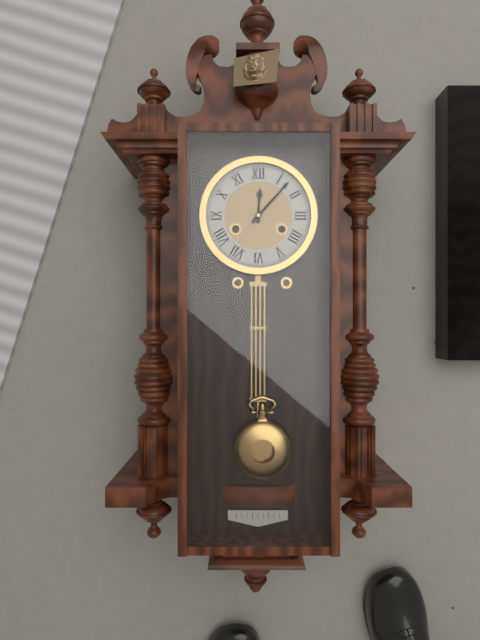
12:07
